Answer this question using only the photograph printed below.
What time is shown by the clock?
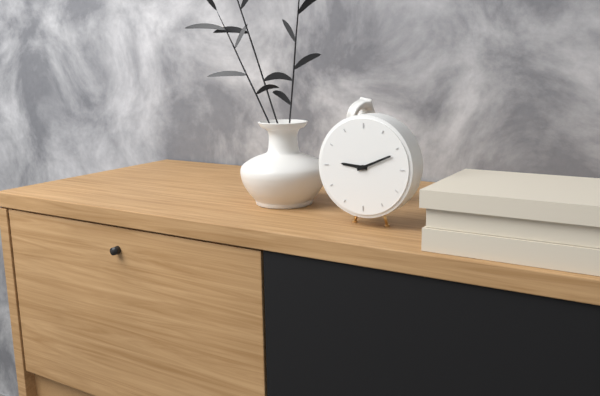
9:11
